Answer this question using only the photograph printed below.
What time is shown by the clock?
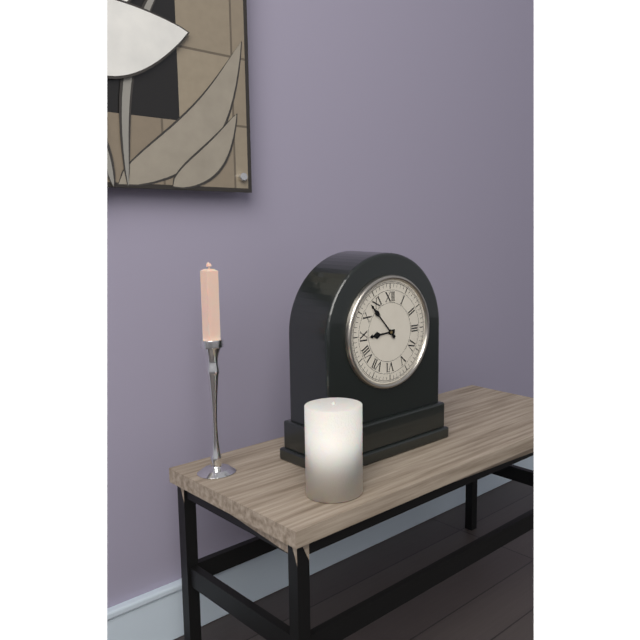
8:53
